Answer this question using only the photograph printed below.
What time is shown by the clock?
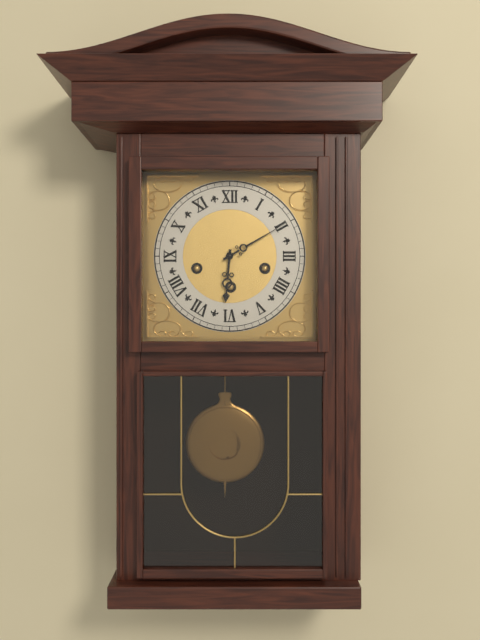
6:10
